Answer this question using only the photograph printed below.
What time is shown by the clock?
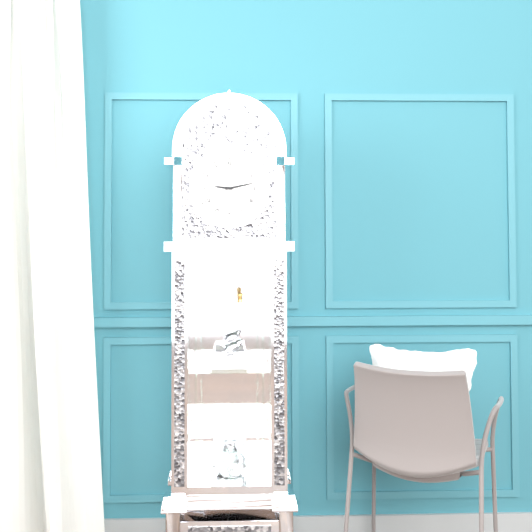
9:13
